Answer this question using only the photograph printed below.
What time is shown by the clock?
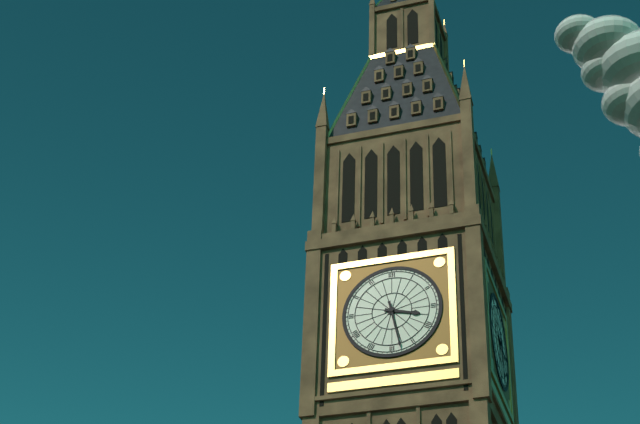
3:28
